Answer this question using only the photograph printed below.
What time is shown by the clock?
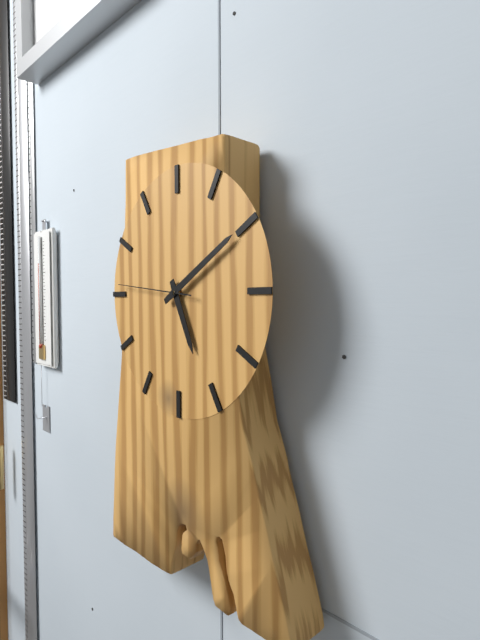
5:10:46
